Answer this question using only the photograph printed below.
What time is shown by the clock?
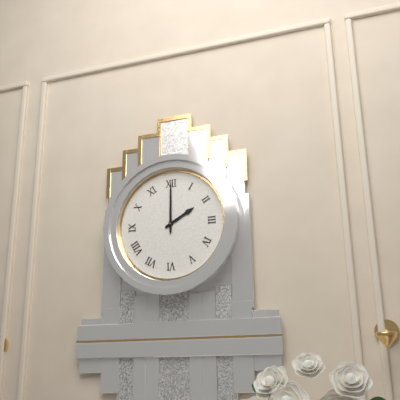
2:00
